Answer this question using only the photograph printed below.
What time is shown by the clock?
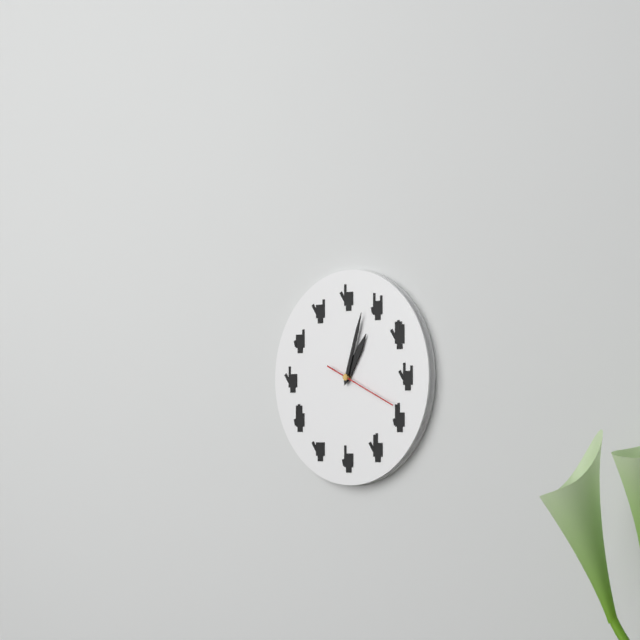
1:03:19
